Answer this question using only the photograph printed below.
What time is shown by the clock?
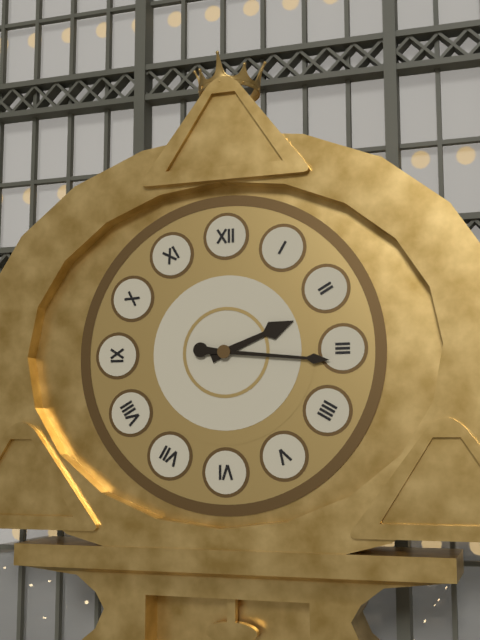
2:16
